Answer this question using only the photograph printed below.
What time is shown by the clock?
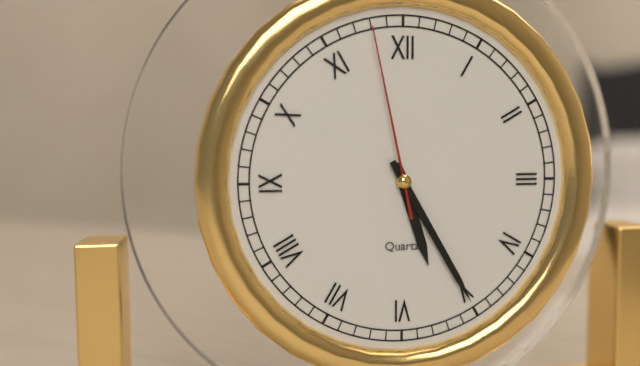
5:25:58
